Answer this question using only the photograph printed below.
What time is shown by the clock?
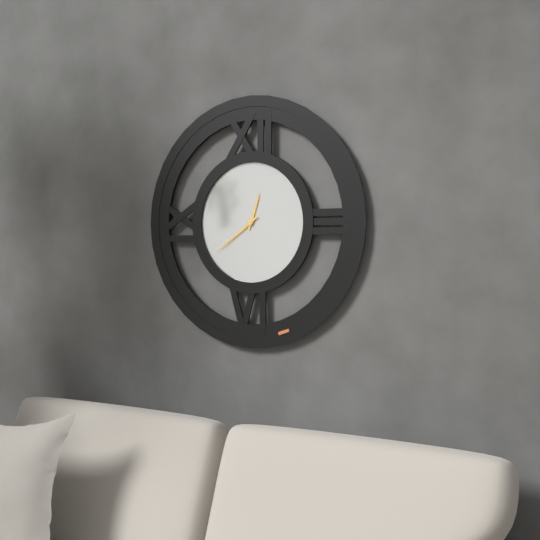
12:39
